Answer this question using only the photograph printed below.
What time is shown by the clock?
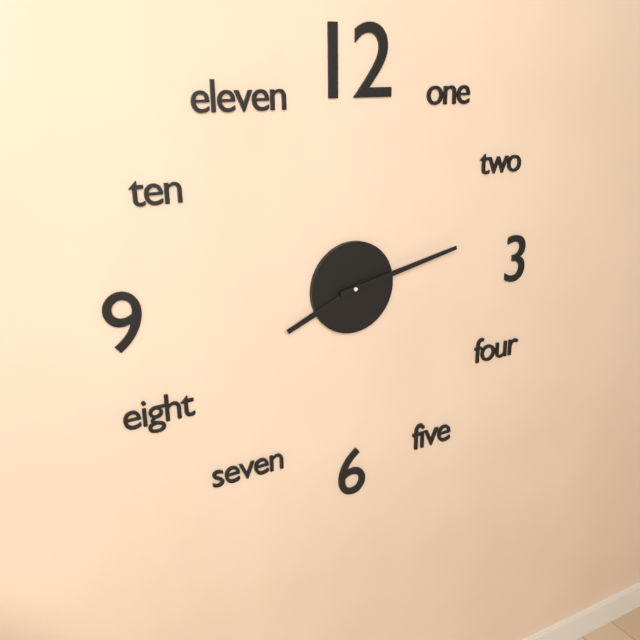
8:13
